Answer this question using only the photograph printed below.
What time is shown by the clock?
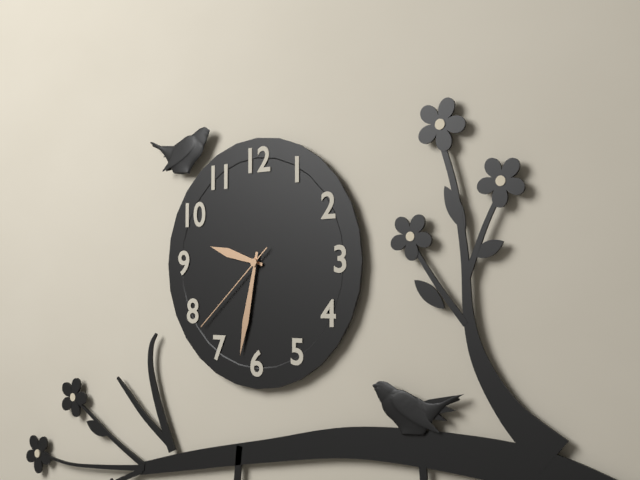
9:32:38
